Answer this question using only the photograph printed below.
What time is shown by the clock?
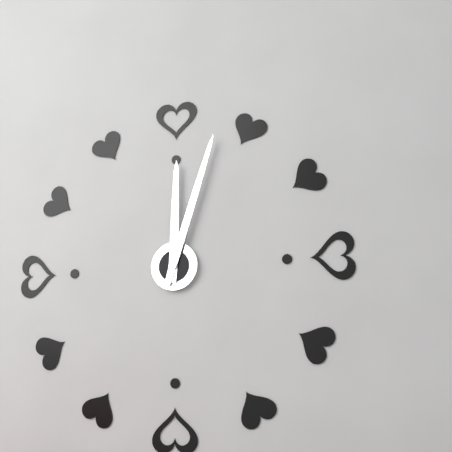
12:03
